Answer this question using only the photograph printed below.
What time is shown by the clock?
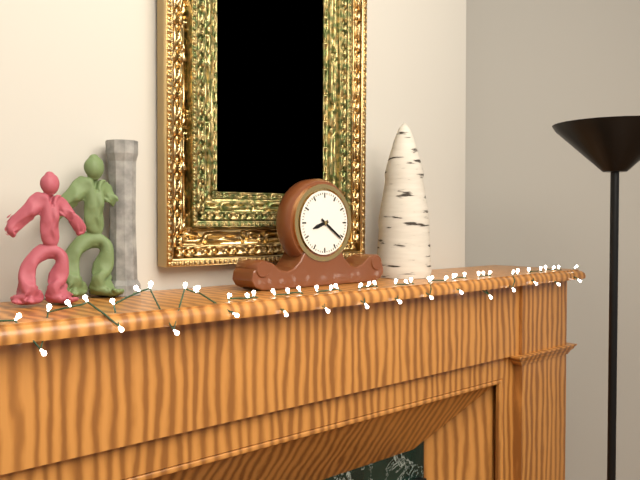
8:21
